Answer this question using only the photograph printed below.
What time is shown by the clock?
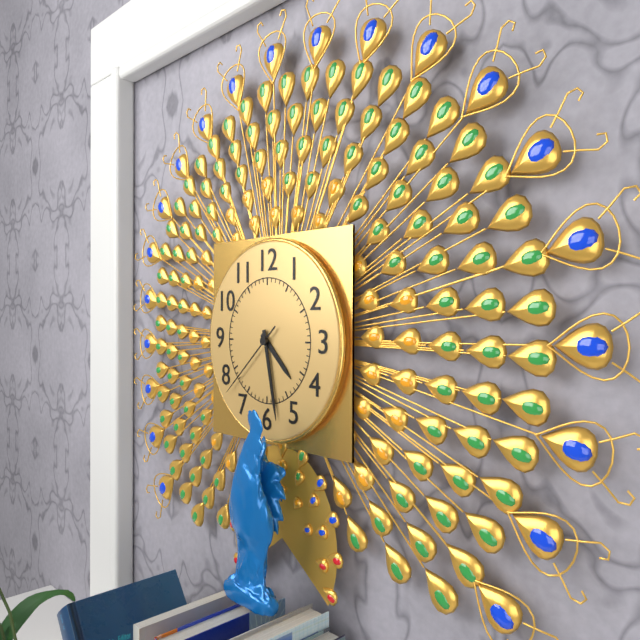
4:28:38
